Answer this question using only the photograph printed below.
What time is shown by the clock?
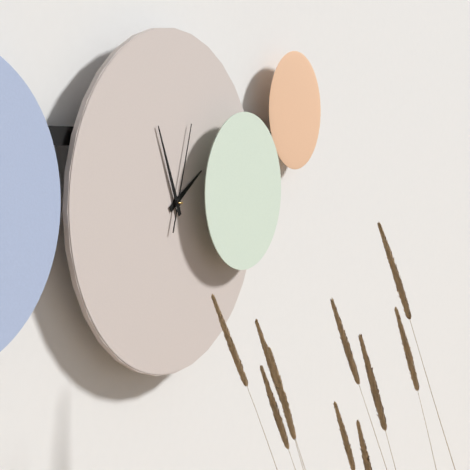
1:56:03
